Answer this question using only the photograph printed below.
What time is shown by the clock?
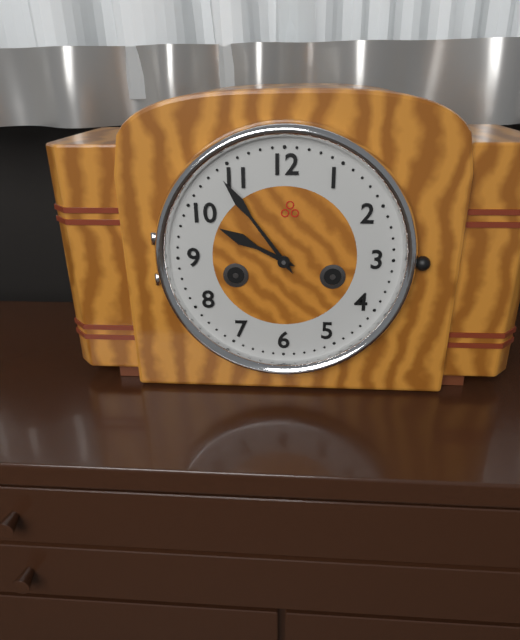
9:54
